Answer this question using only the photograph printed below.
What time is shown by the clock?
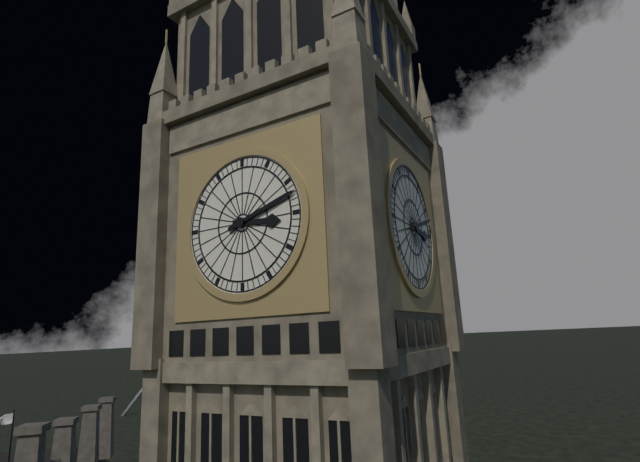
3:12
